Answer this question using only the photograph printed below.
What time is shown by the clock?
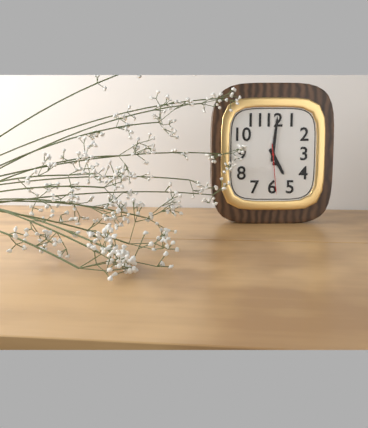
5:01:29
